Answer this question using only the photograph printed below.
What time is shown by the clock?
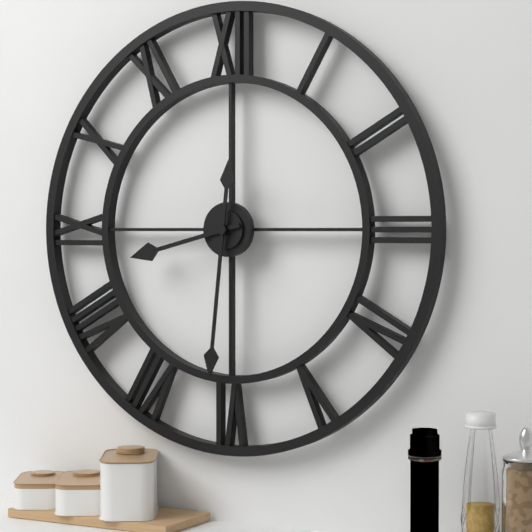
8:31
